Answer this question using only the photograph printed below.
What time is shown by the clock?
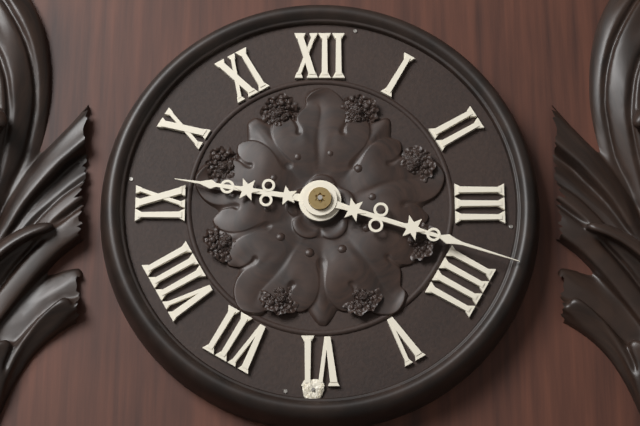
9:18
